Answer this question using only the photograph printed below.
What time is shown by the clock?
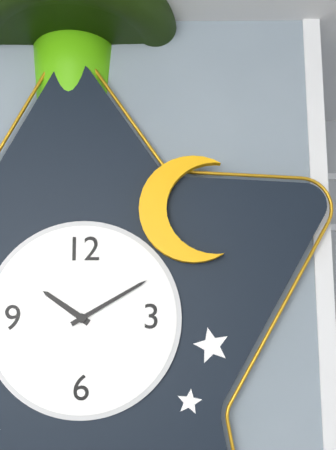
10:10
